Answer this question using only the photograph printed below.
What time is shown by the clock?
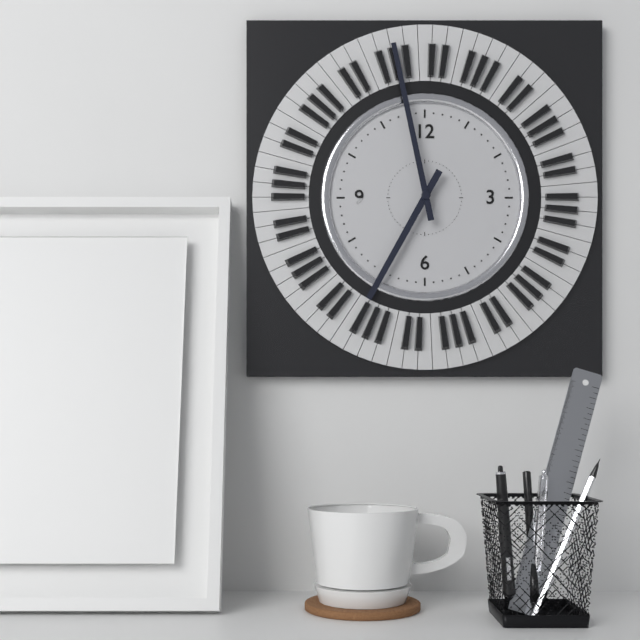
6:58
